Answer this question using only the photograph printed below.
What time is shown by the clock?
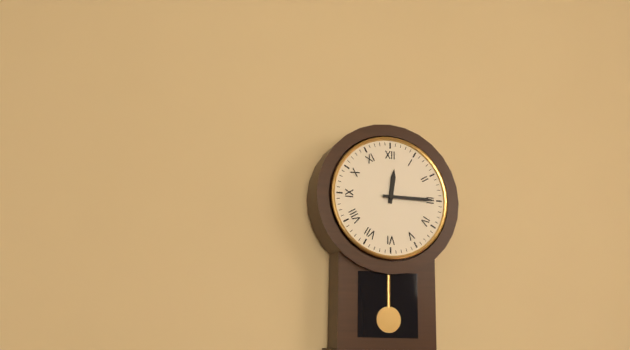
12:15
